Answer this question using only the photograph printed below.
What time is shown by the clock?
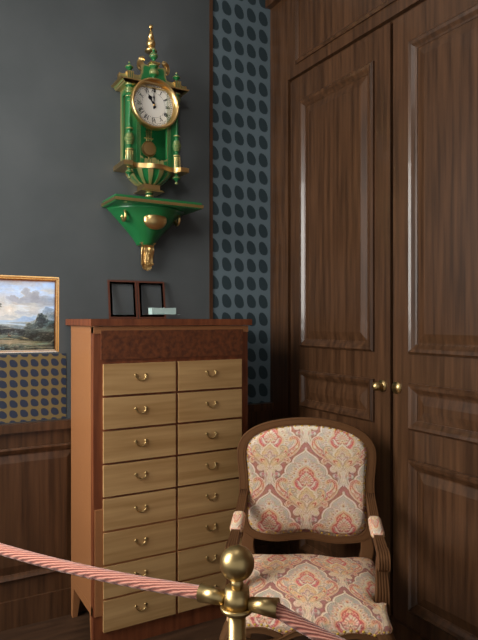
11:00
